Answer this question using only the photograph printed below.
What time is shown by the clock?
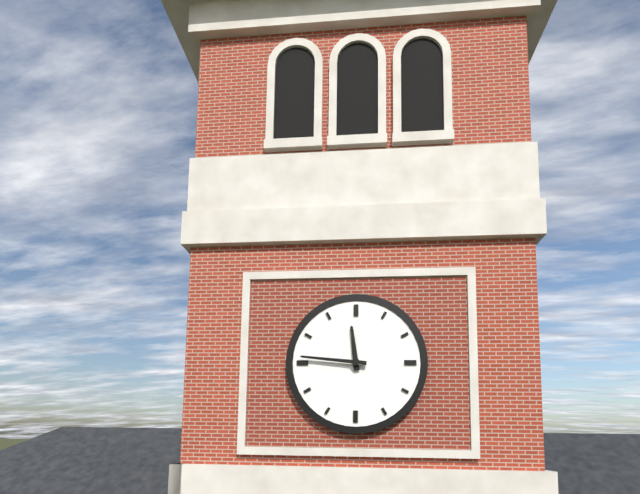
11:46
